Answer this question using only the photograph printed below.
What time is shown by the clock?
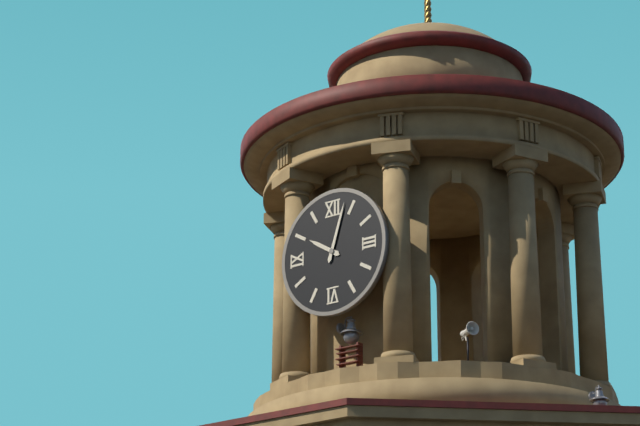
10:03
